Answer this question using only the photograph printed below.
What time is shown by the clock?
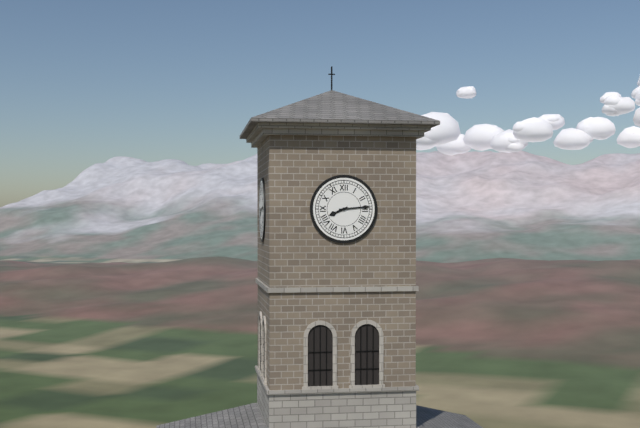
8:14
